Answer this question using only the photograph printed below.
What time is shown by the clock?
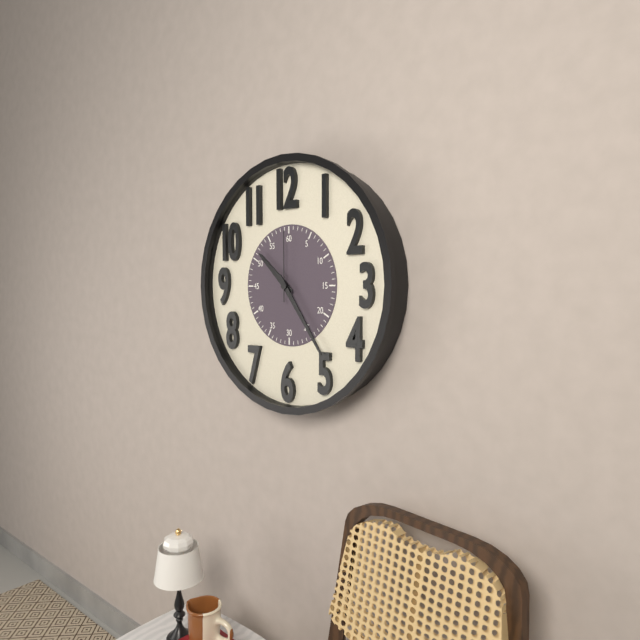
10:24:00
